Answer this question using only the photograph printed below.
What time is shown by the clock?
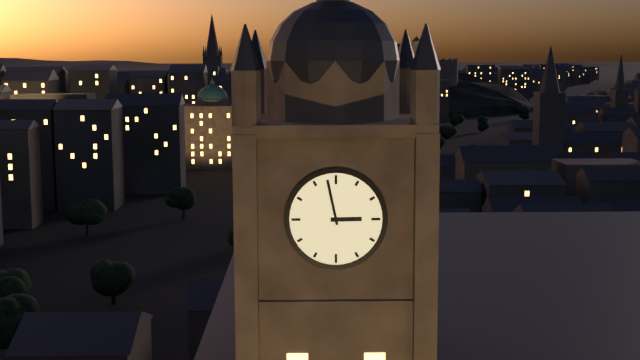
2:58
